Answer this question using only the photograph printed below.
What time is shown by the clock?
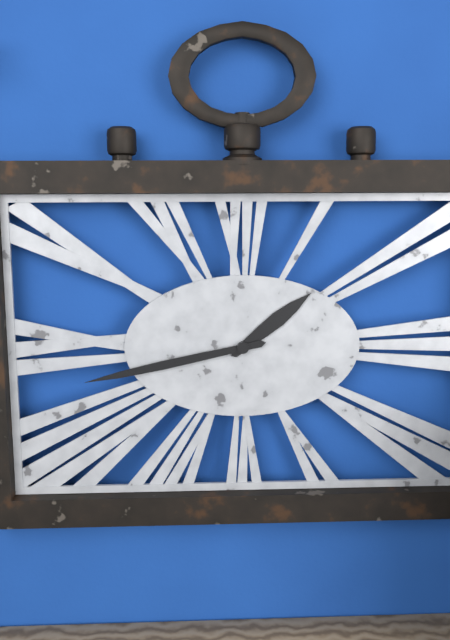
1:43
